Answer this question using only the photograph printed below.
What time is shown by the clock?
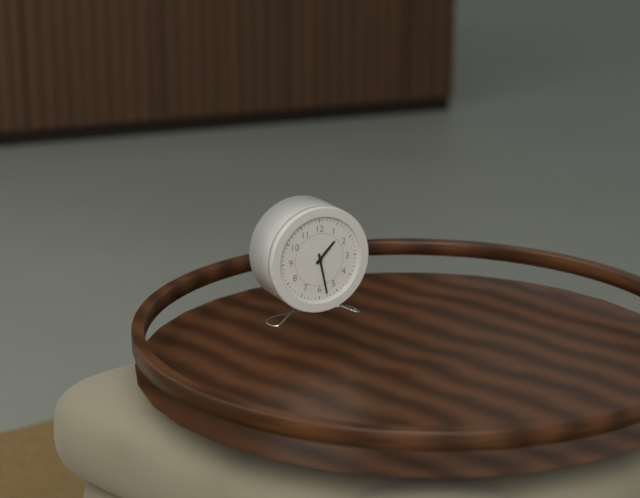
1:28
